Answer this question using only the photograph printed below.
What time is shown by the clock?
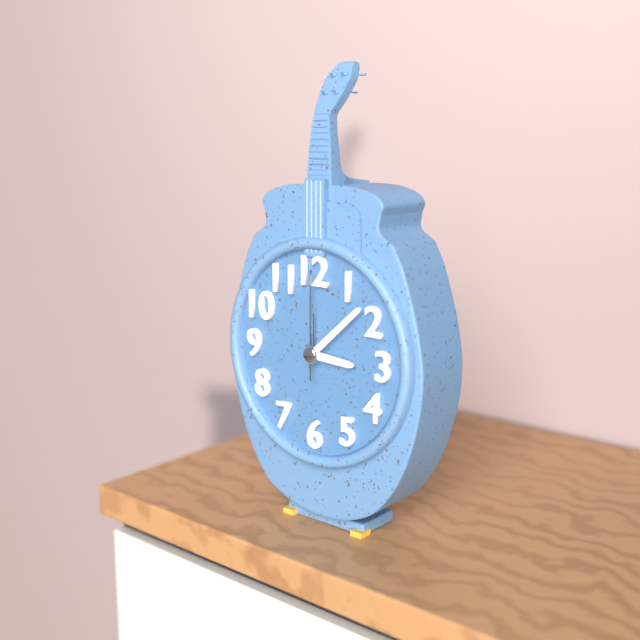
3:08:00
